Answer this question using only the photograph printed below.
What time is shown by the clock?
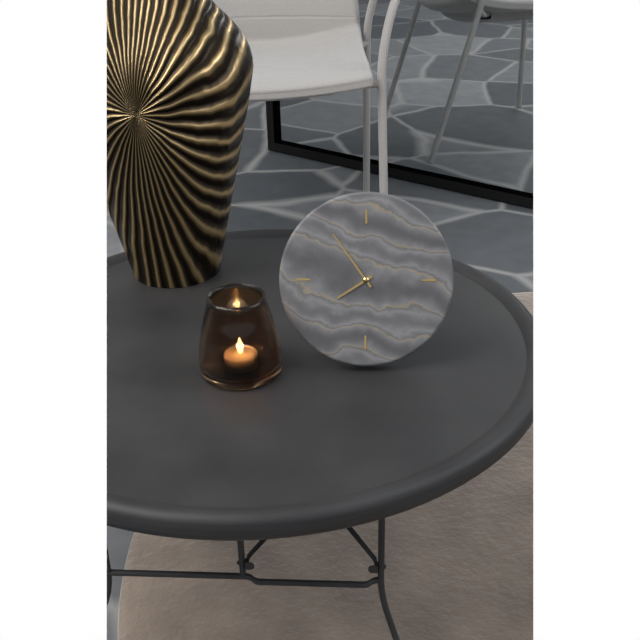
7:54
